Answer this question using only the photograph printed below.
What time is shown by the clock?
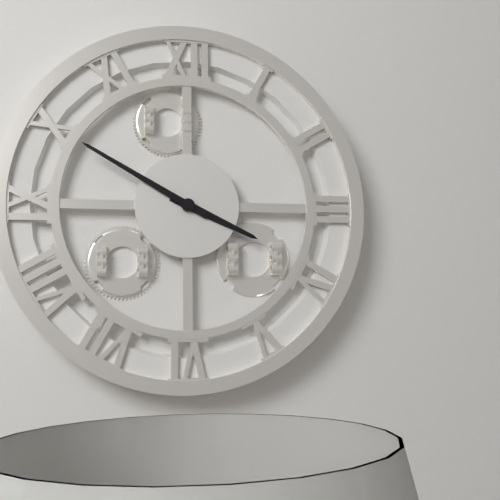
3:50
